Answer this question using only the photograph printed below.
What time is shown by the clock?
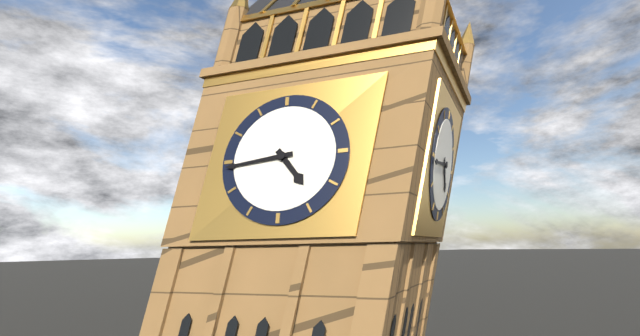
4:44
